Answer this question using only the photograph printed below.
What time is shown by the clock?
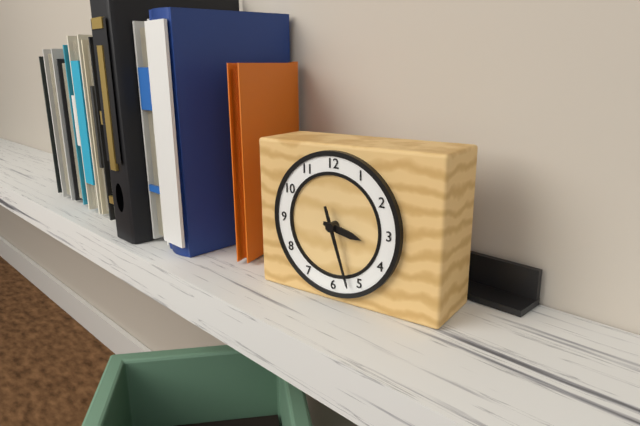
3:27
